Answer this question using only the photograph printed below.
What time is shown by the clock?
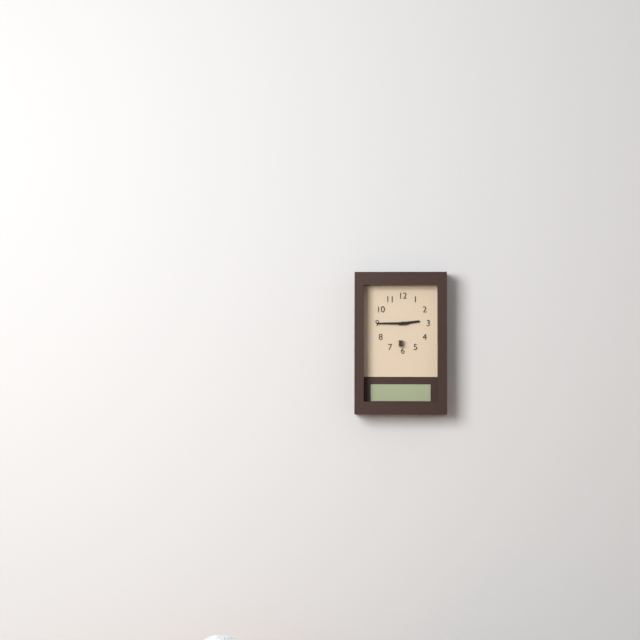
2:45
